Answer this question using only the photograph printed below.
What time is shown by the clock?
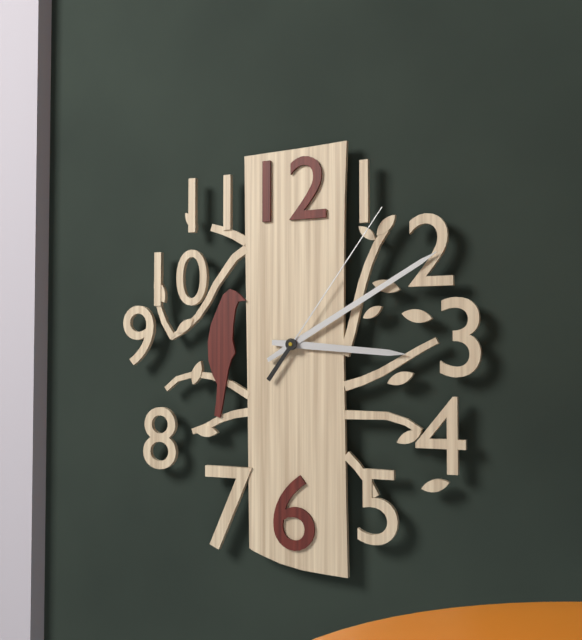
3:10:06
